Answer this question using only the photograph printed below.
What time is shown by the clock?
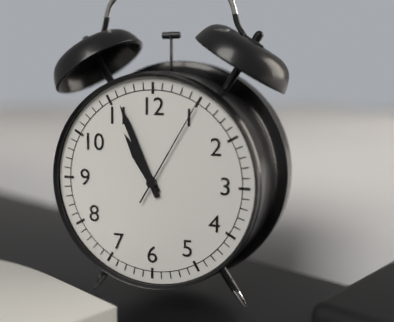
10:56:05
